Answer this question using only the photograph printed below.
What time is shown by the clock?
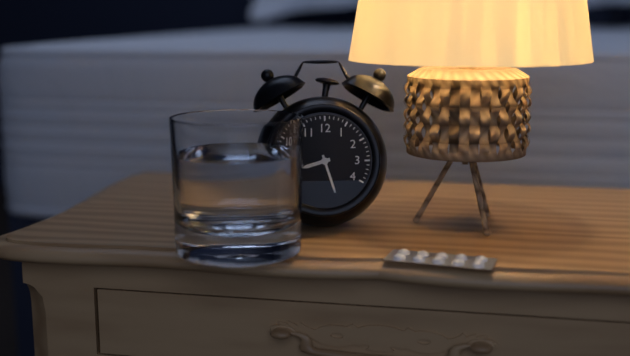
8:27
